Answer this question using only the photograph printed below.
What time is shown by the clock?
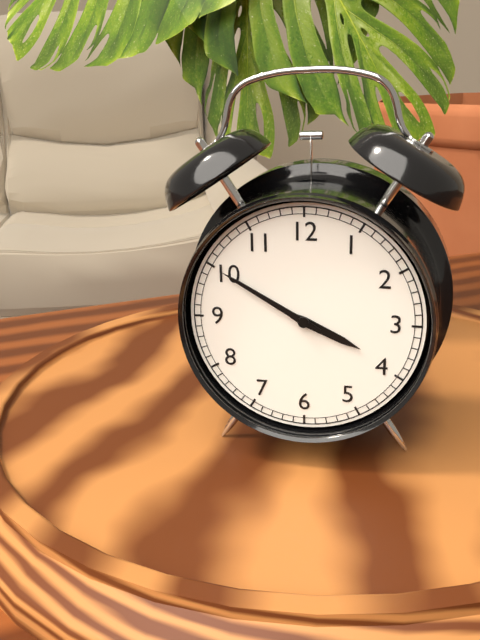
3:50
